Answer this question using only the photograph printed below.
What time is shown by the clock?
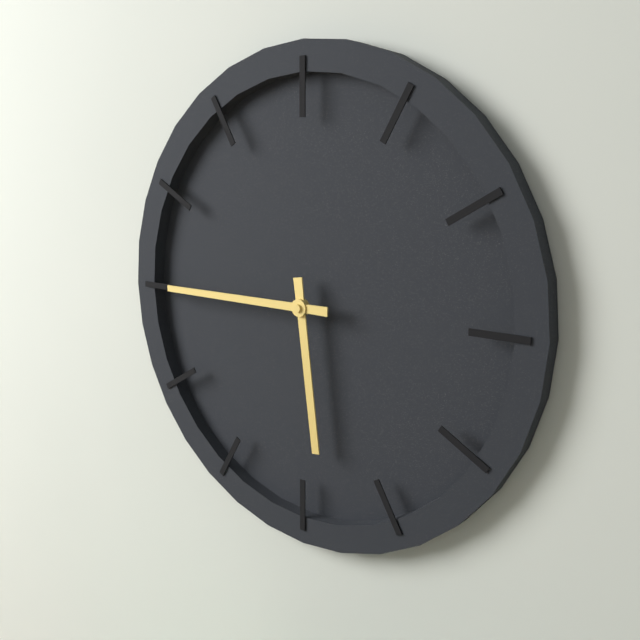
5:45
